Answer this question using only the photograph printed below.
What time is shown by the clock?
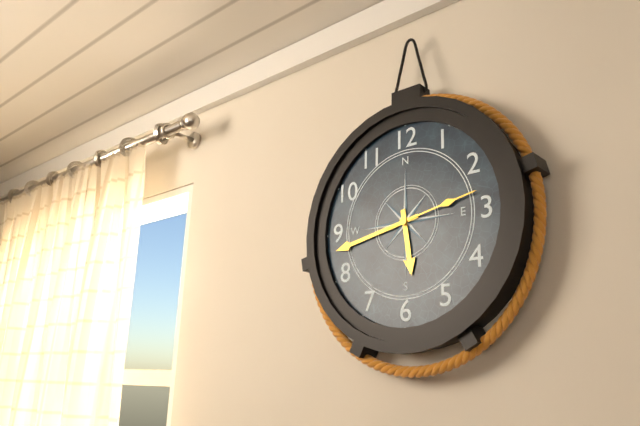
5:43:13
